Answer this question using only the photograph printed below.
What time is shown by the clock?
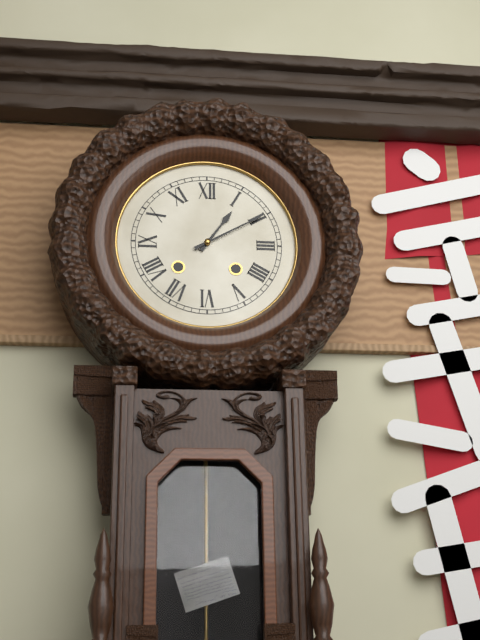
1:10
